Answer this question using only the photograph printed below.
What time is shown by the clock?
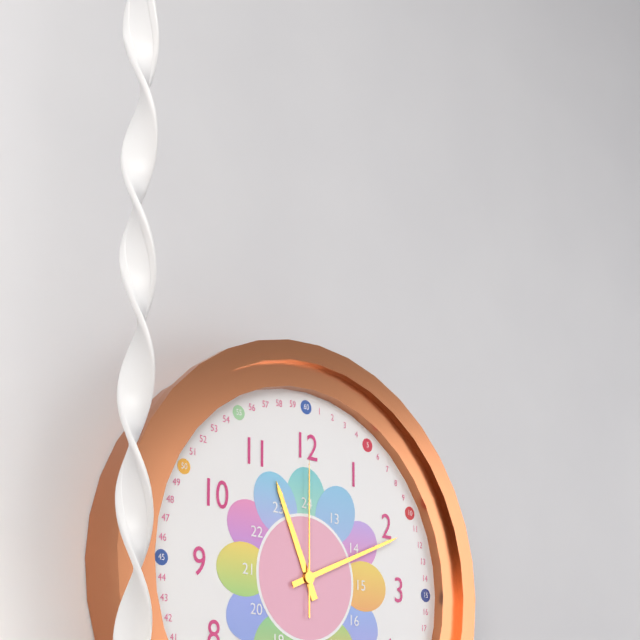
11:11:00
